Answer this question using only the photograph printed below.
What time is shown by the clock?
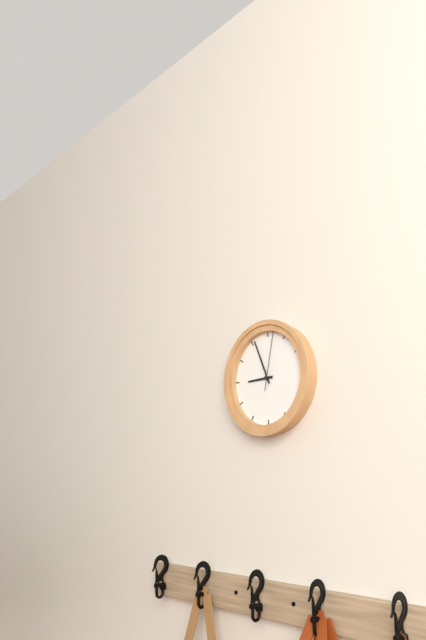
8:56:02
